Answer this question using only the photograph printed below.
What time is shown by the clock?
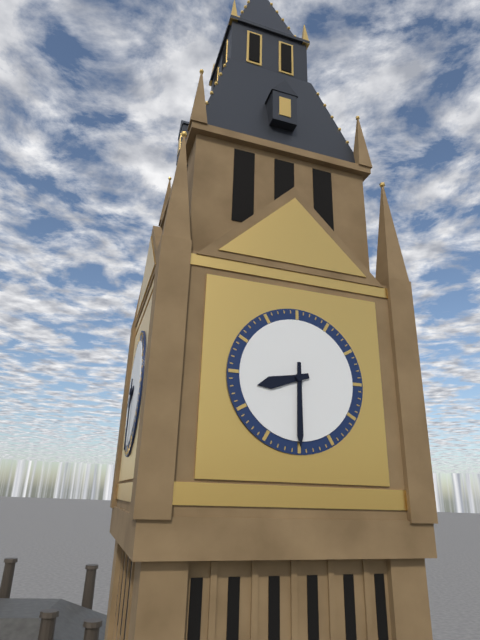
8:30
